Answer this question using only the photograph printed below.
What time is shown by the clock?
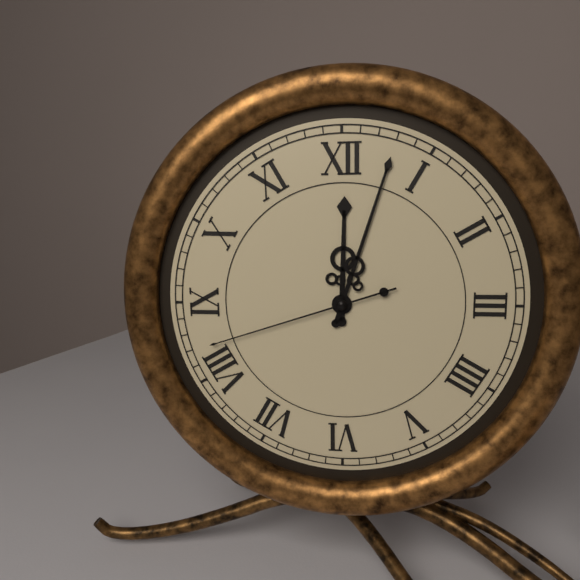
12:03:42
